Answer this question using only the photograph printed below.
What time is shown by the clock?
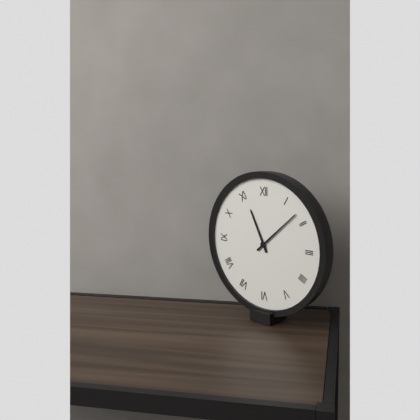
11:08
